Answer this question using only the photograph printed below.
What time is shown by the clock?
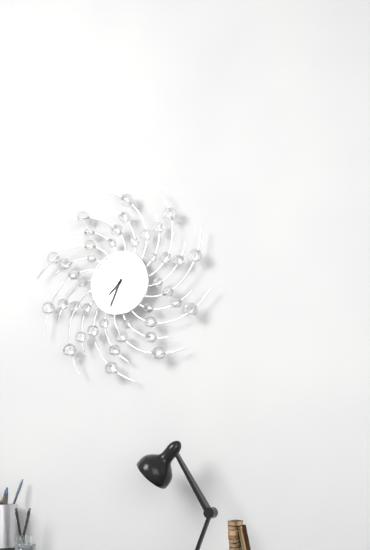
7:34
